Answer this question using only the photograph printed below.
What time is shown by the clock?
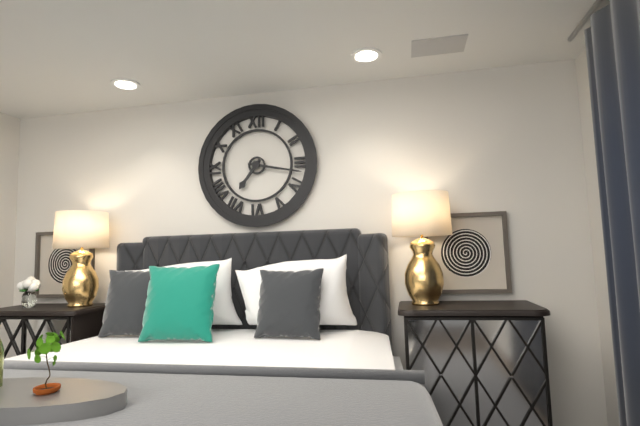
7:17
